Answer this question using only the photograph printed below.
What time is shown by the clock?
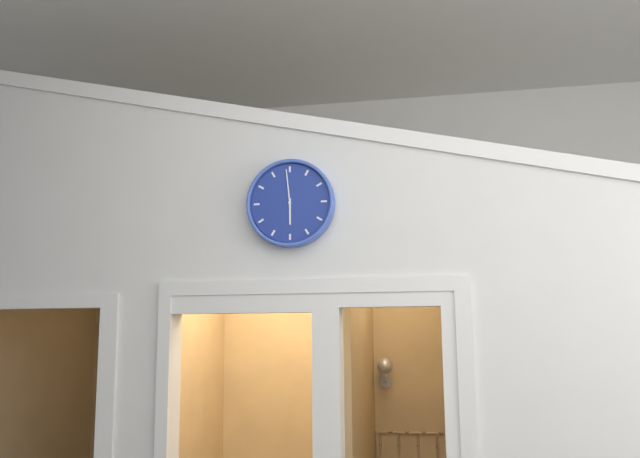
5:59
